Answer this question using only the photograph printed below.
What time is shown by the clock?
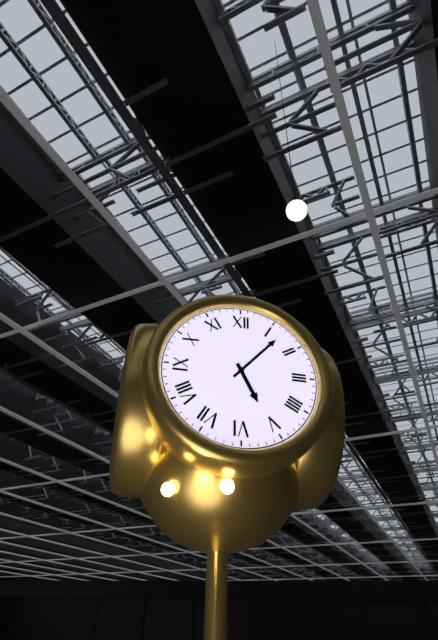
5:07
